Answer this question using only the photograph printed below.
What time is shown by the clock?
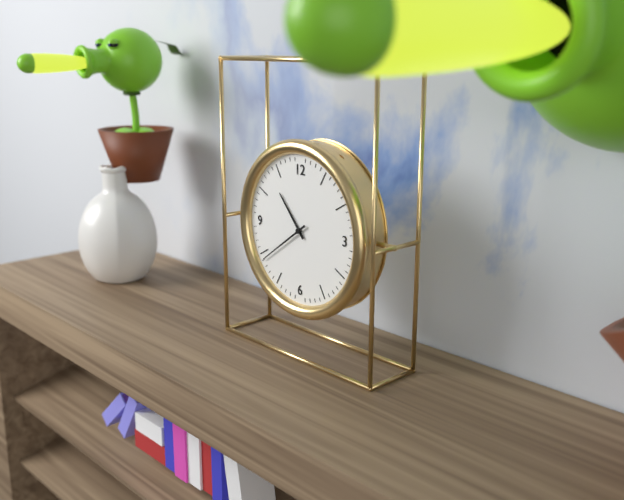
10:39
